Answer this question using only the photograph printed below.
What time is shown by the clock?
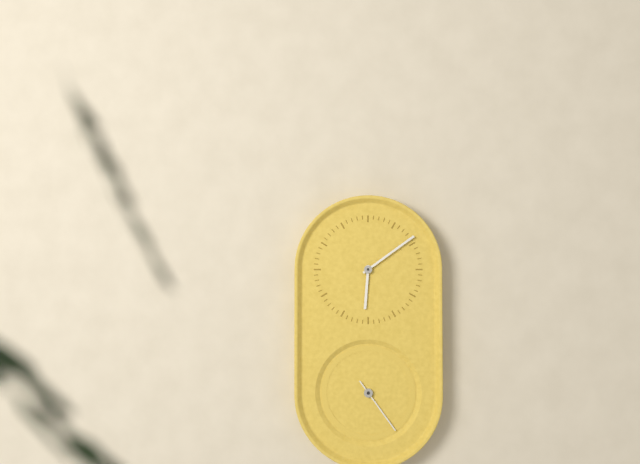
6:09:24
